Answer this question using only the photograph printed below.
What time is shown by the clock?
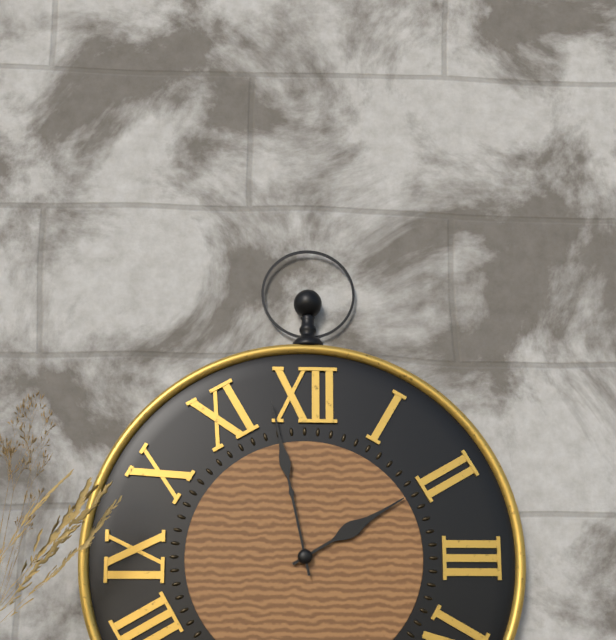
1:58
